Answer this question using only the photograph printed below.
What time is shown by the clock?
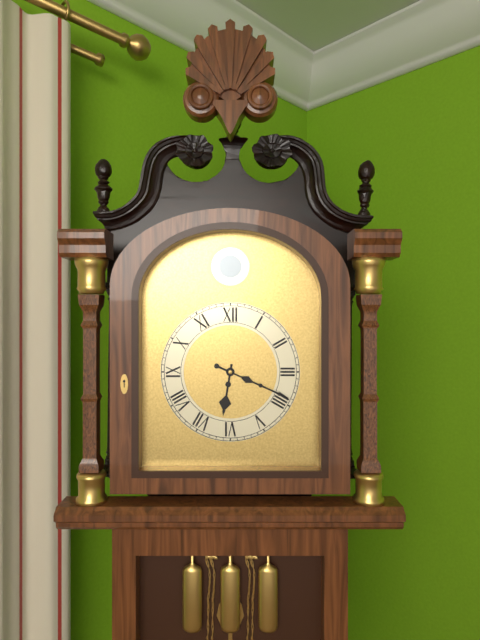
6:19
